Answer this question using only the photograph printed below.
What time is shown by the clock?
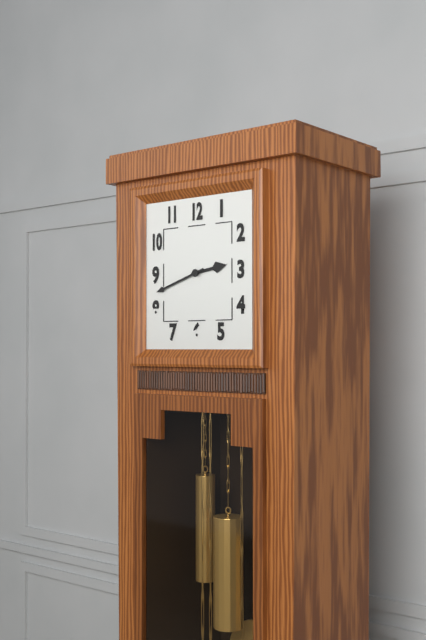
2:42
